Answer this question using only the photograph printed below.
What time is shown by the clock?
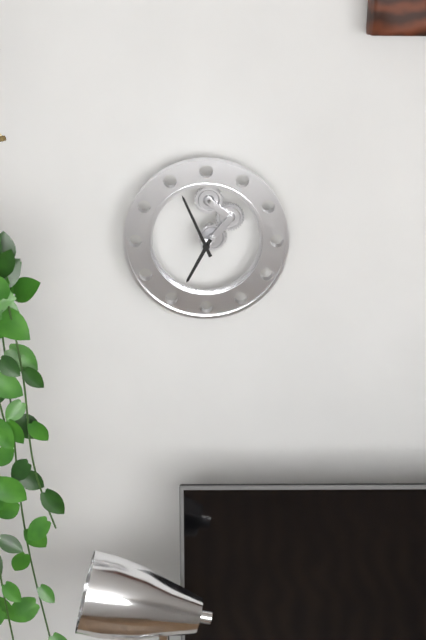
6:56
